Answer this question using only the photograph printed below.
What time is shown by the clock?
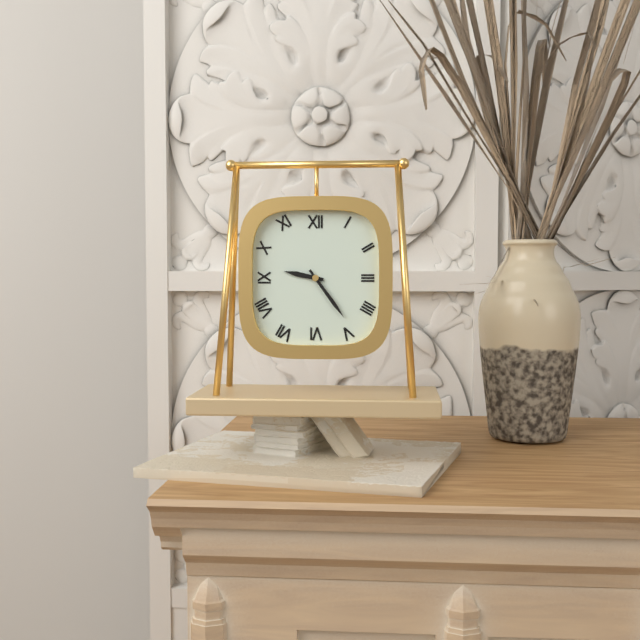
9:24
